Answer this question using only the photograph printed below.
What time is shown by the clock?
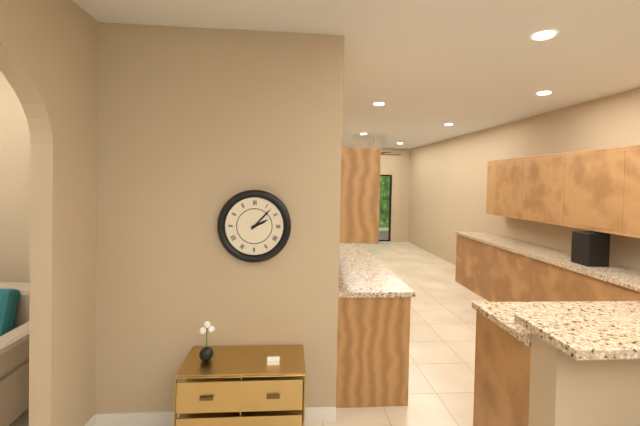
2:07
